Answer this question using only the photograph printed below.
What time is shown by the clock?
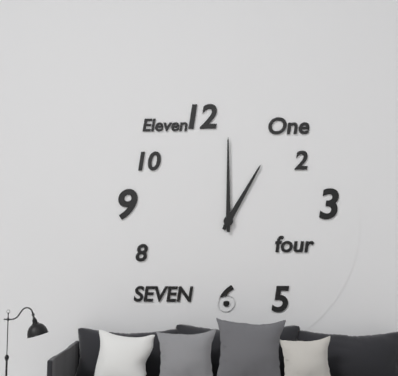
1:00
